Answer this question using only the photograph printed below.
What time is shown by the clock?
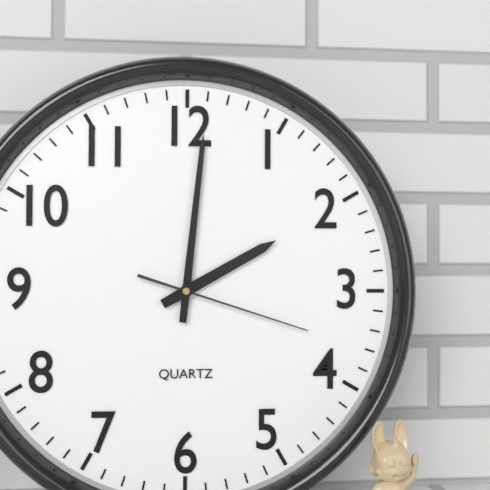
2:01:18
